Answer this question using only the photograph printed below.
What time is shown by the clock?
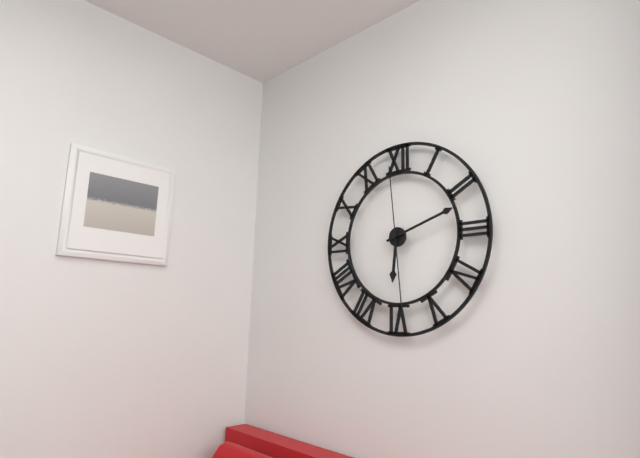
6:12:29
